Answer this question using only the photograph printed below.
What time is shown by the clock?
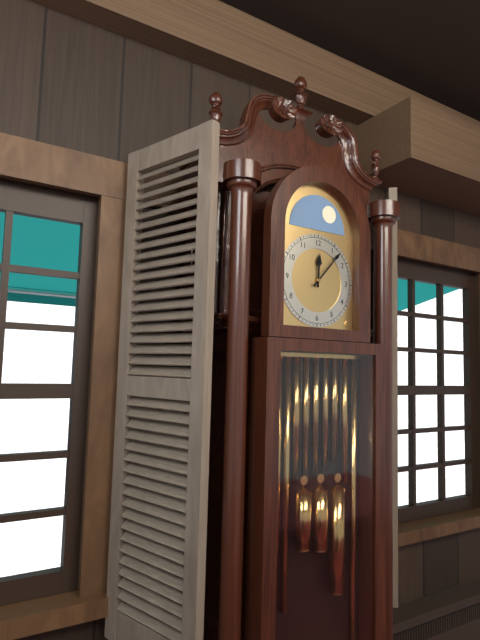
12:07
